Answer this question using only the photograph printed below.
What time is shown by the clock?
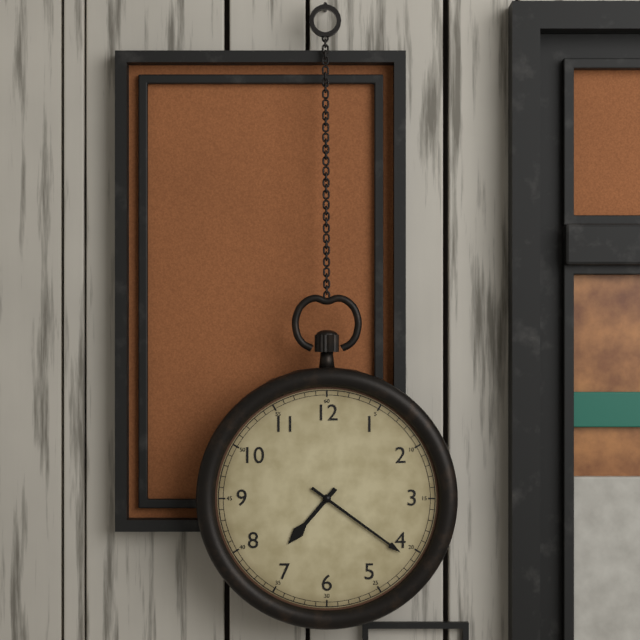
7:21
